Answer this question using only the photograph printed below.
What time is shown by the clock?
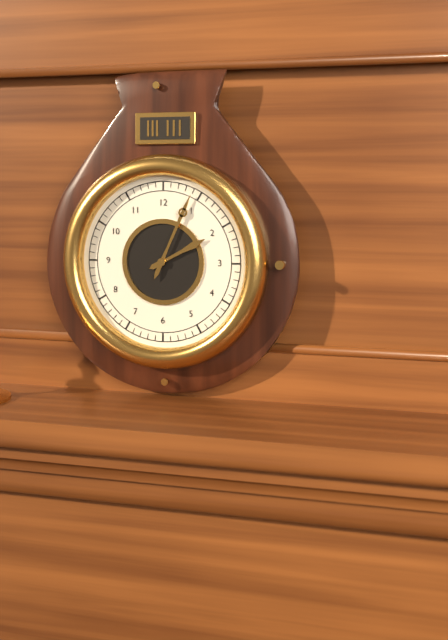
2:04
